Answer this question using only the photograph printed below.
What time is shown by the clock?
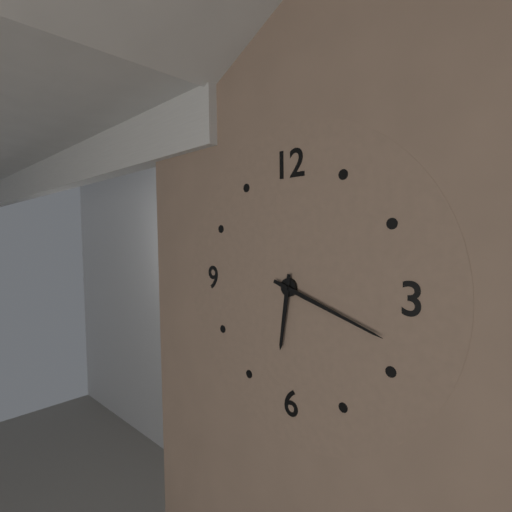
6:18
